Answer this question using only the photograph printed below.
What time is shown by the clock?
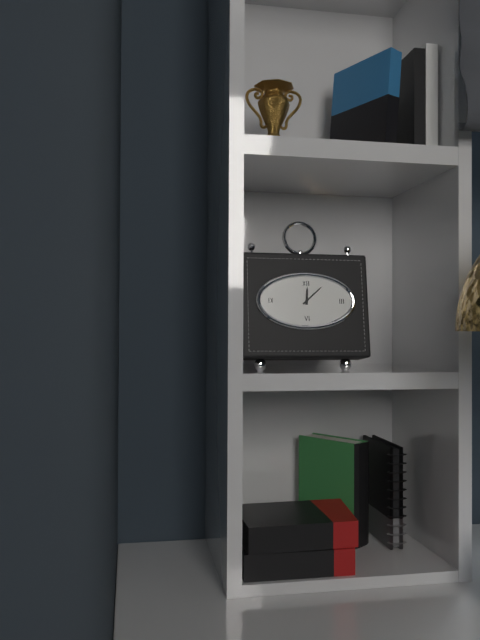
12:08
